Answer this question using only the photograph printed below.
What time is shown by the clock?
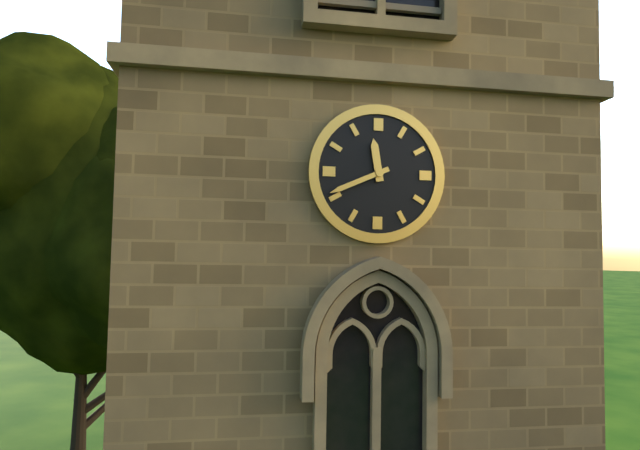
11:41
